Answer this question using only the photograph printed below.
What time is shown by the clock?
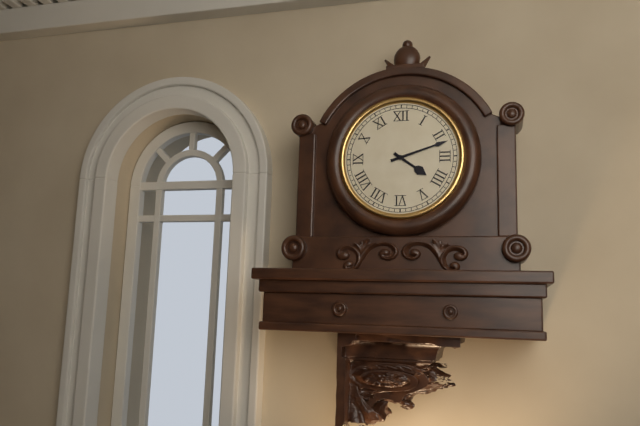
4:12
